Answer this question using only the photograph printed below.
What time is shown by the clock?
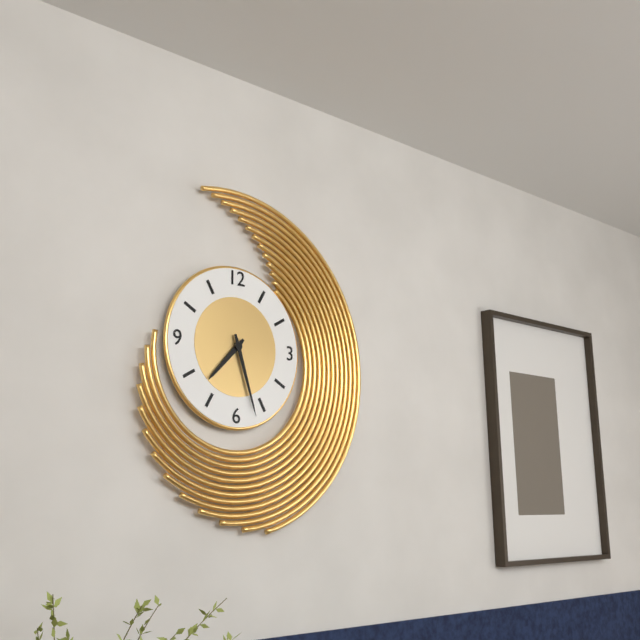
7:27
